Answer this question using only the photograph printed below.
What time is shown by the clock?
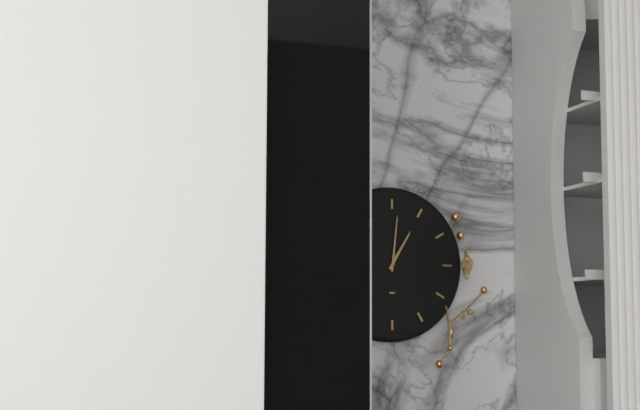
1:01
